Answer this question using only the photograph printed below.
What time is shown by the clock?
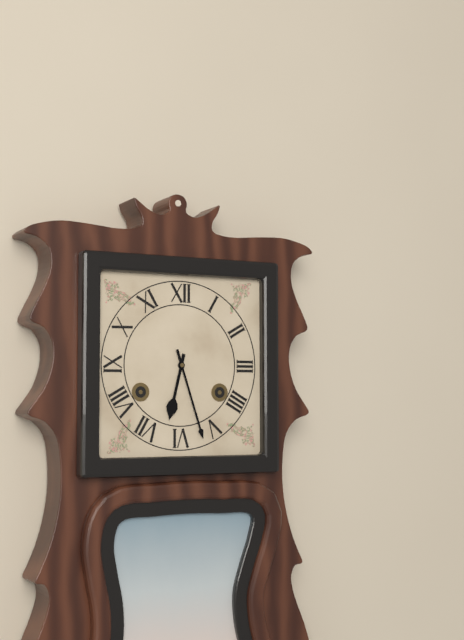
6:27
